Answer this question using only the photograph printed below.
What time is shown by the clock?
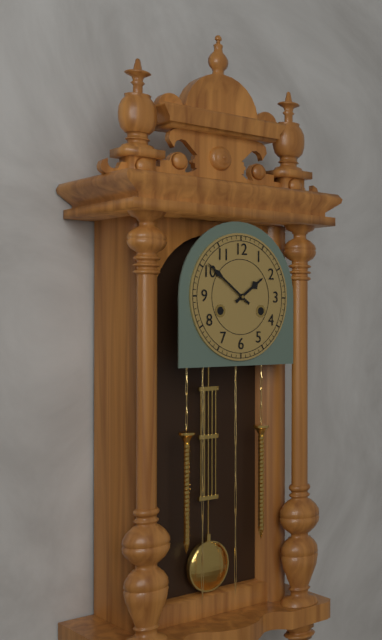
1:51
